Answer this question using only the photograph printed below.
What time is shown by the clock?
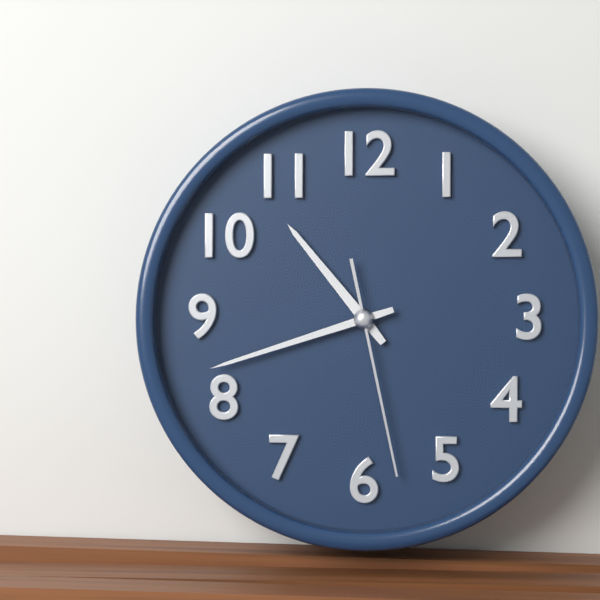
10:42:28
